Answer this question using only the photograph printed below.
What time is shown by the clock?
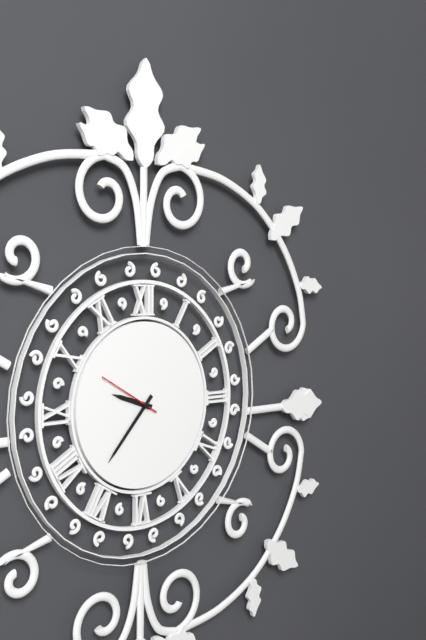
9:37:50
